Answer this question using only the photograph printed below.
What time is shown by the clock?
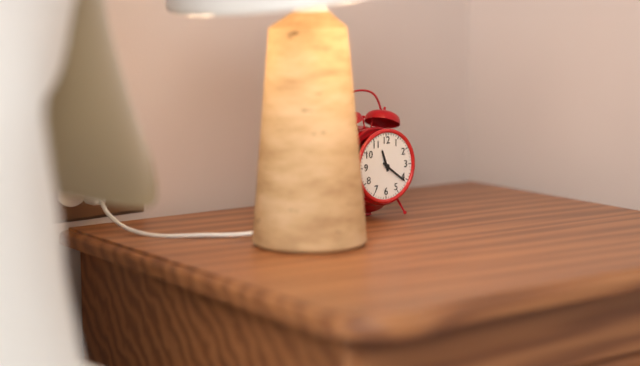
11:21
